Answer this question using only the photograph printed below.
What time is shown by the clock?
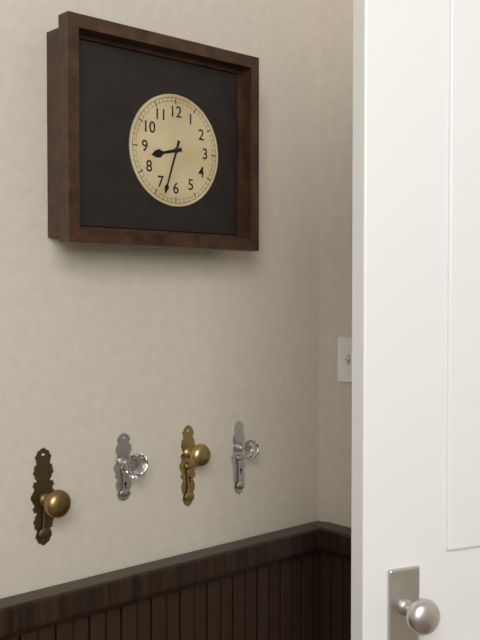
8:33
